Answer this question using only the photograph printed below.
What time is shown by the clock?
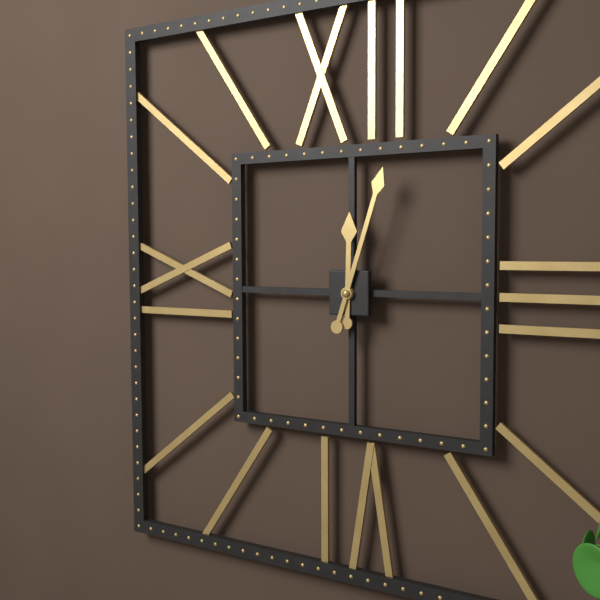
12:03
